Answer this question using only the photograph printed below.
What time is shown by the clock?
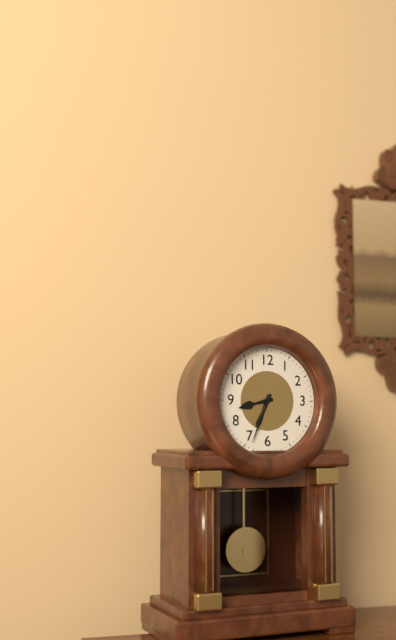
8:34
